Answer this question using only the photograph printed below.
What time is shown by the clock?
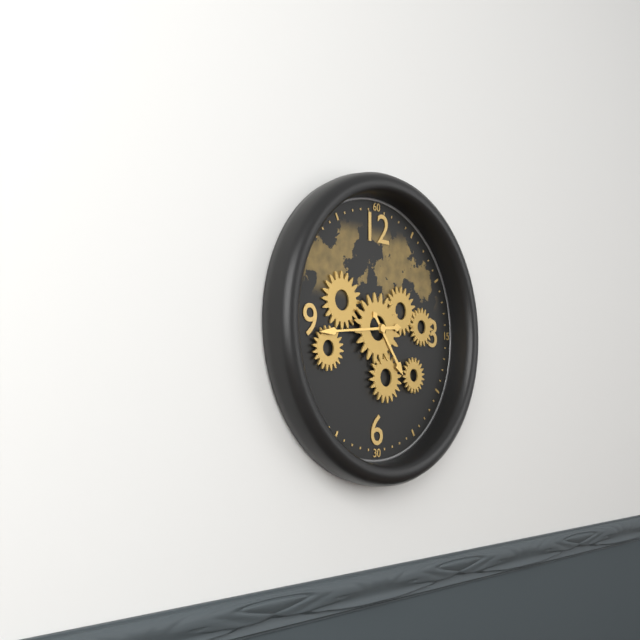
4:44
